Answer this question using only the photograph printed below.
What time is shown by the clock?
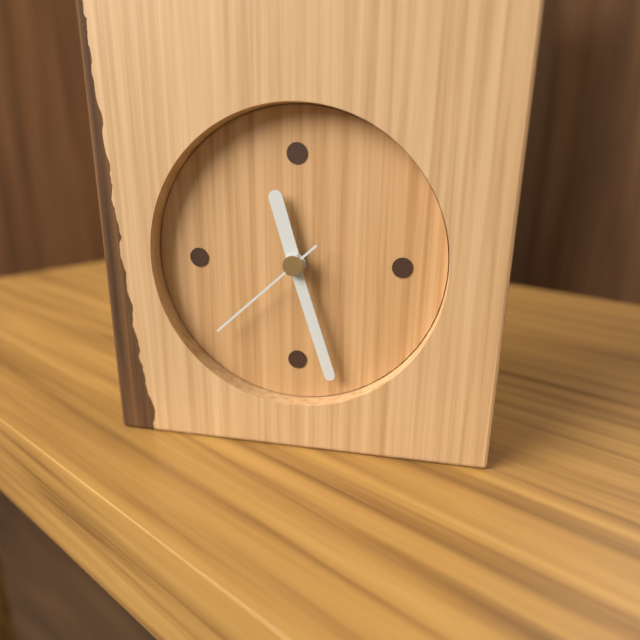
11:27:38
